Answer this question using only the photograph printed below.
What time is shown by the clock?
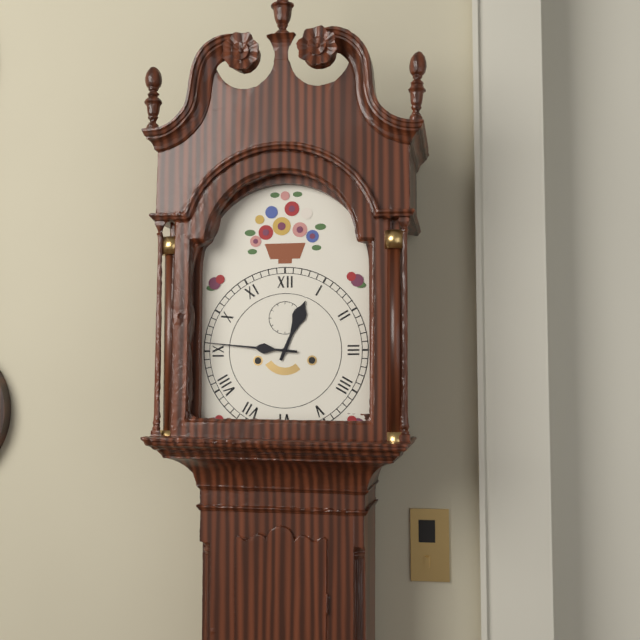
12:46
